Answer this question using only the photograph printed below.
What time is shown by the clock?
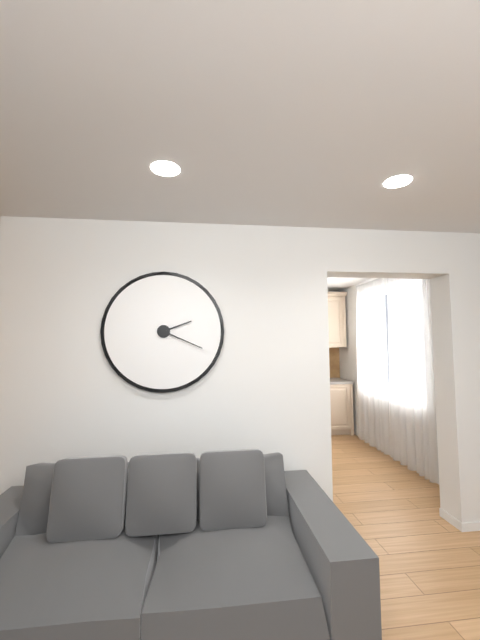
2:19
